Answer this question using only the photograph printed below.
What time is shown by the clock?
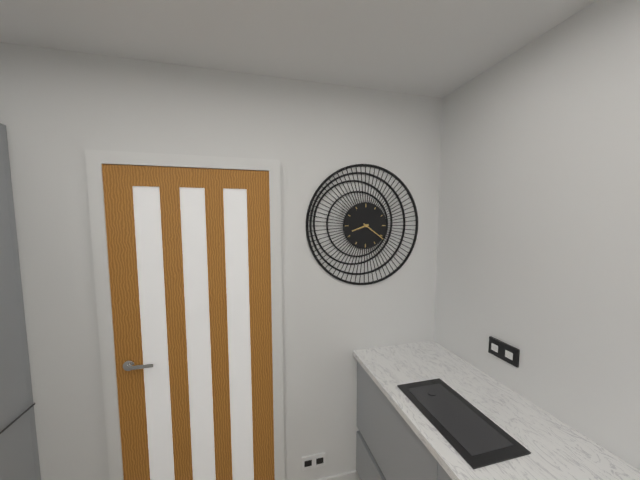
8:21
